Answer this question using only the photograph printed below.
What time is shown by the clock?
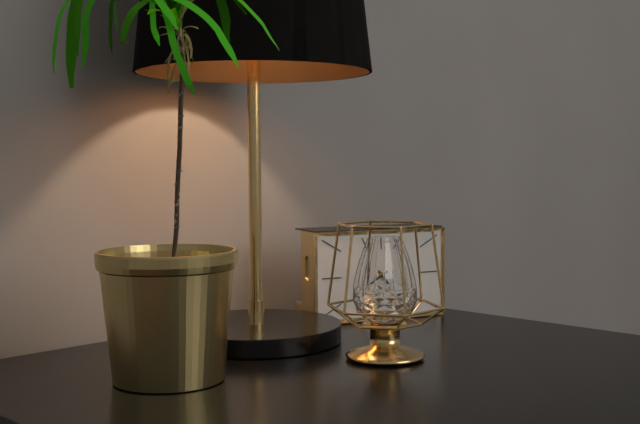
4:40
